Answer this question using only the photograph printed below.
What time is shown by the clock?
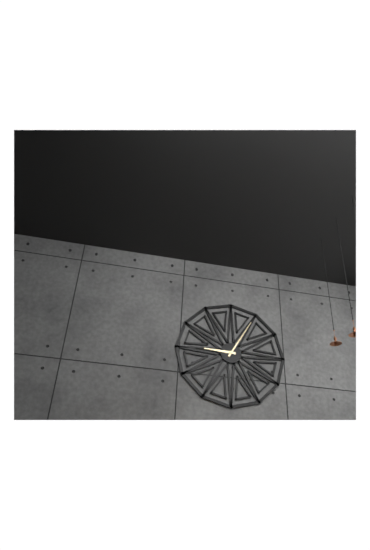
9:05
